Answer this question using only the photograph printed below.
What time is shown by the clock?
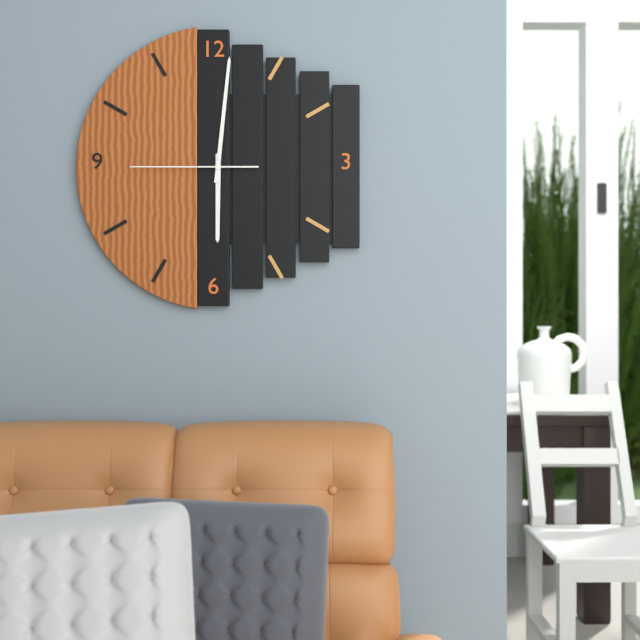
6:01:45
